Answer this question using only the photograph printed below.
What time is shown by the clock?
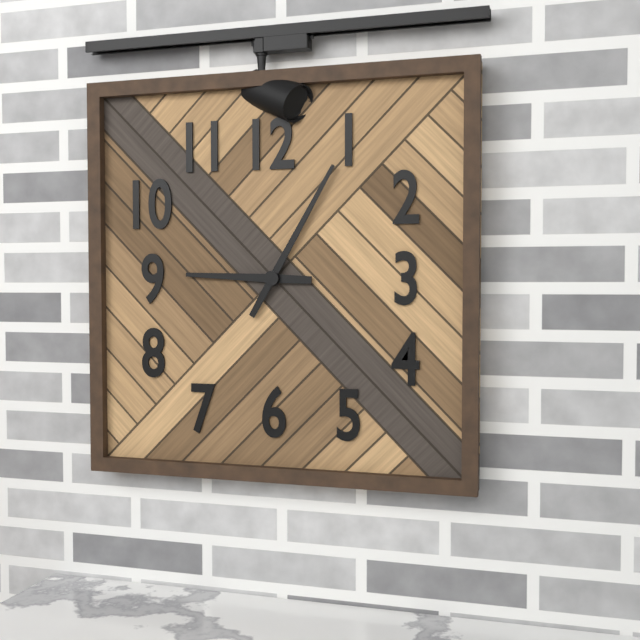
9:05
